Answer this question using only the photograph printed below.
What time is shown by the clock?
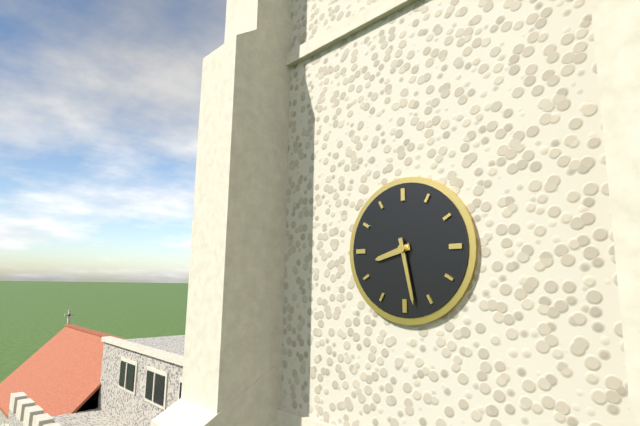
8:28
